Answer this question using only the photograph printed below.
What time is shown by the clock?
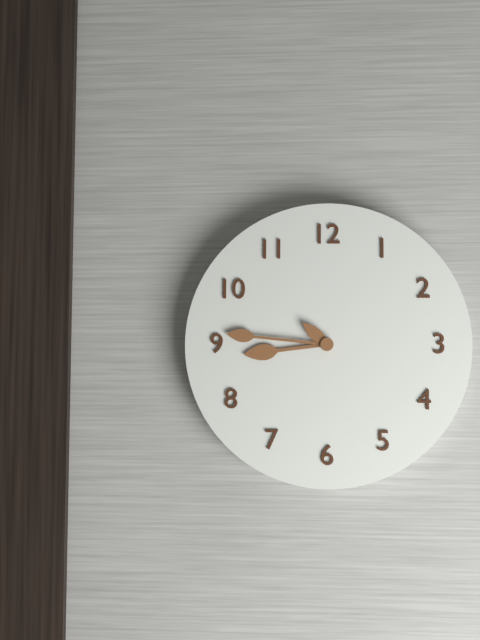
8:46
